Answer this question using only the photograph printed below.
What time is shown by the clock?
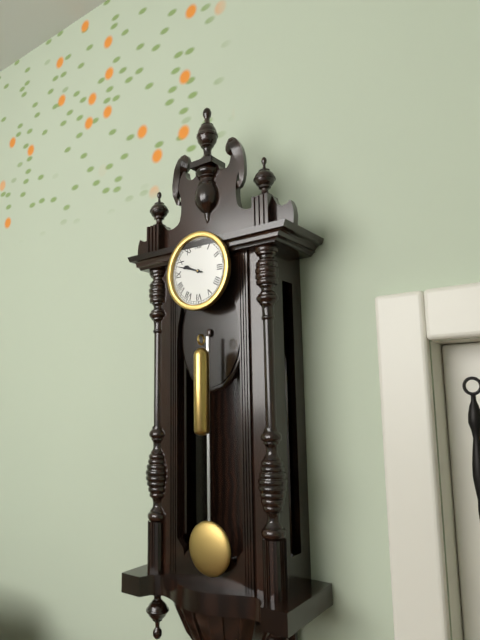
9:48
